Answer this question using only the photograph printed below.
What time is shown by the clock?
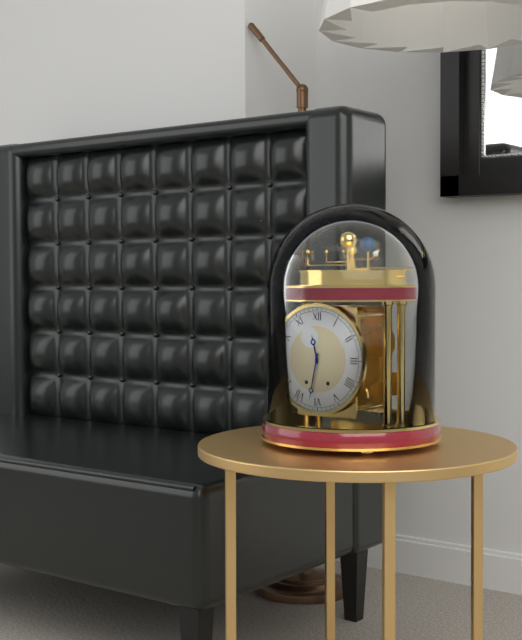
11:32
